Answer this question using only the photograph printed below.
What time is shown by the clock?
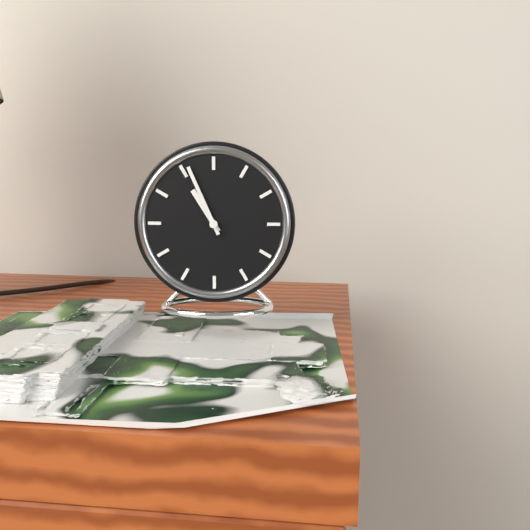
10:56
